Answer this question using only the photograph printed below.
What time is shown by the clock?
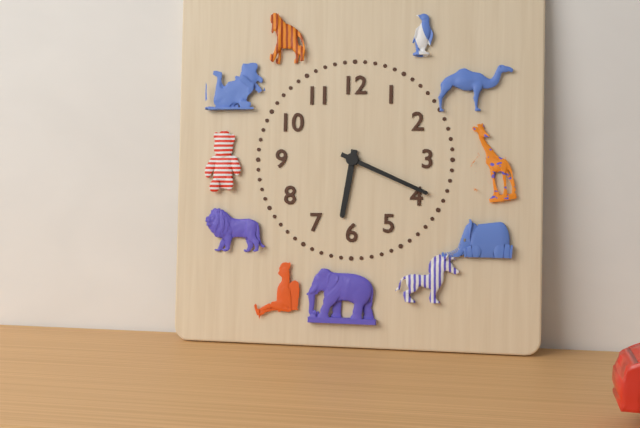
6:19
